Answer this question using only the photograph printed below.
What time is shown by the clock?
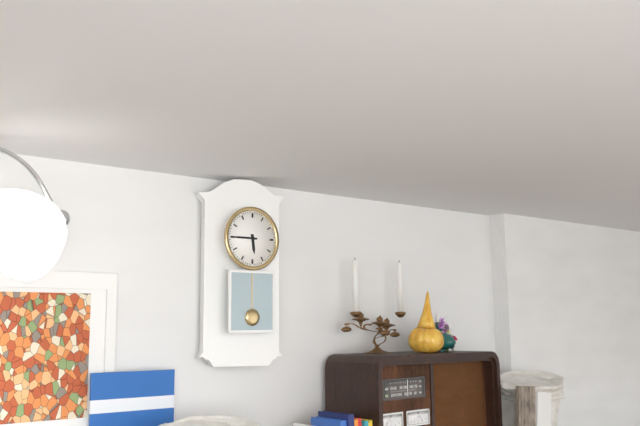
5:45
